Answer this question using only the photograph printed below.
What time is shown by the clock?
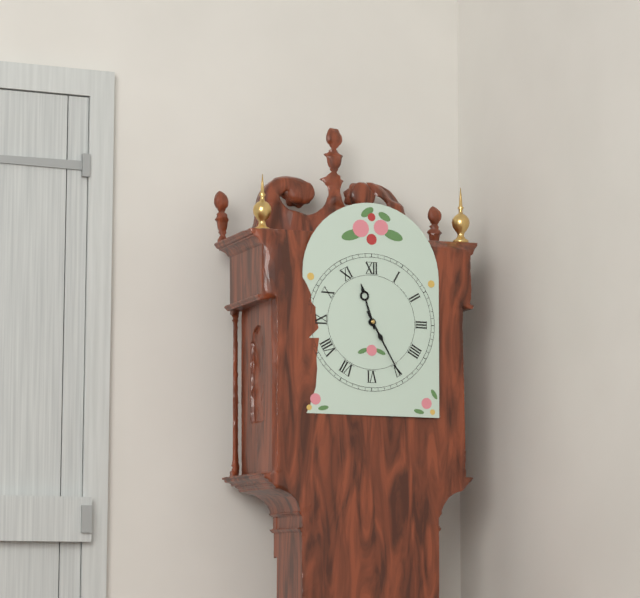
11:25
